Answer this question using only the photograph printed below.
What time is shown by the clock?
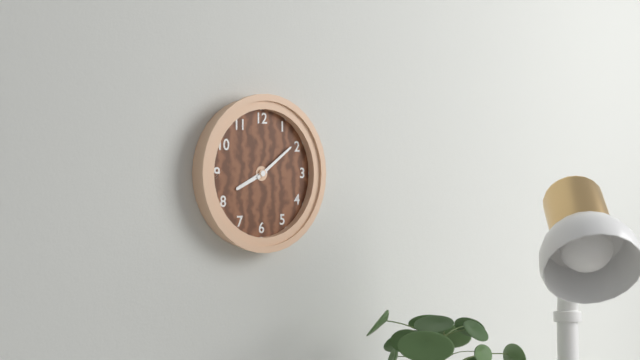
8:09
